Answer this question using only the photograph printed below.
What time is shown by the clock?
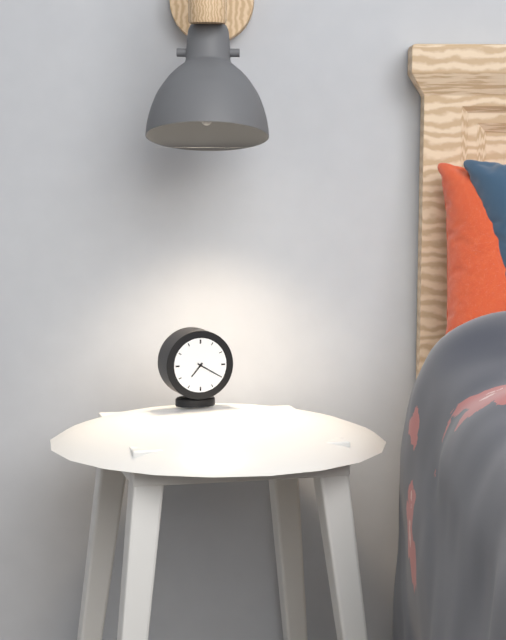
7:20
